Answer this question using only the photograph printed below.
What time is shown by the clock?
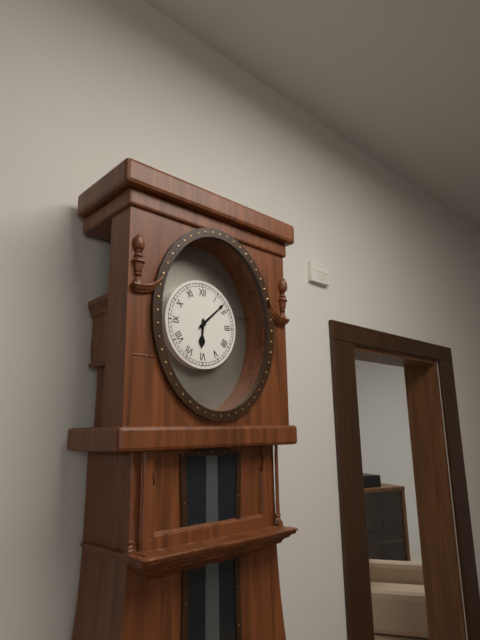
6:08
